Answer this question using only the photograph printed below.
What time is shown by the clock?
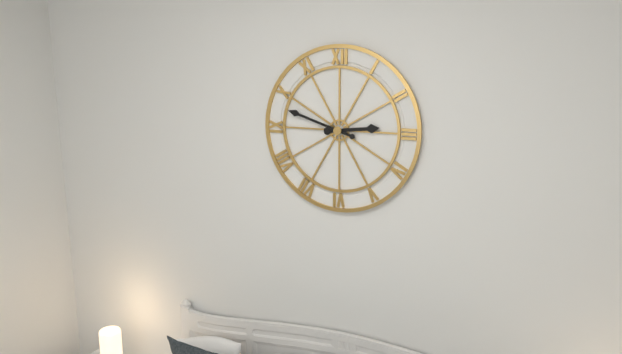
2:48
